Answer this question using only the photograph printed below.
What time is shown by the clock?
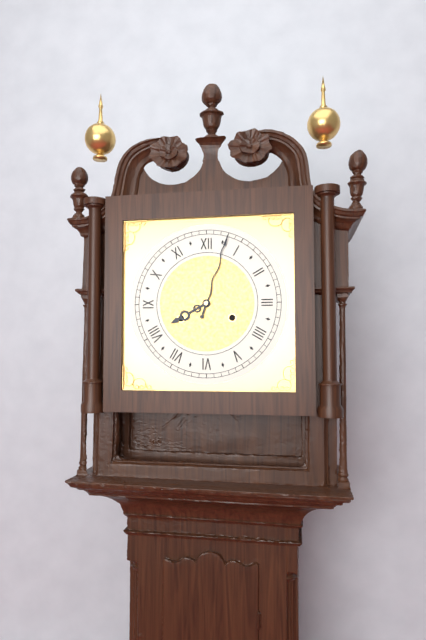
8:03
